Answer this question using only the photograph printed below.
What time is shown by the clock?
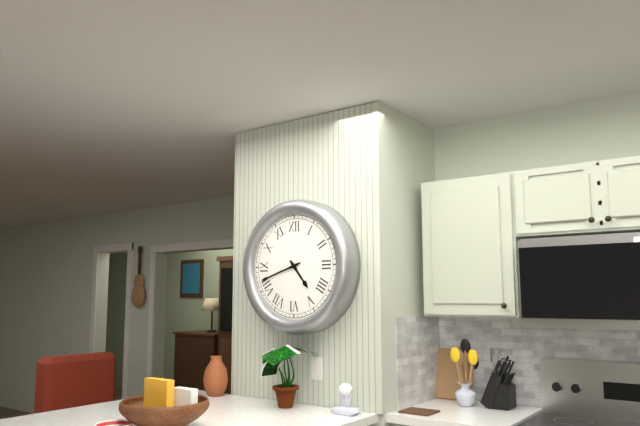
4:42
